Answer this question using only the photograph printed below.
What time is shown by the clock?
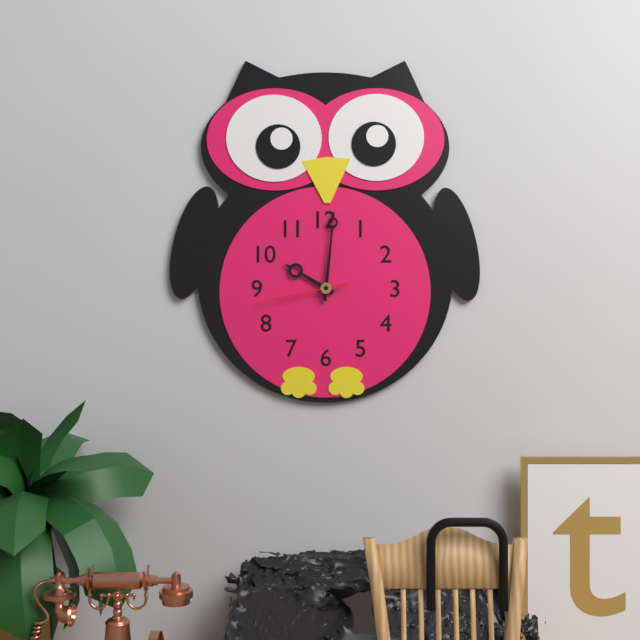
10:01:43
